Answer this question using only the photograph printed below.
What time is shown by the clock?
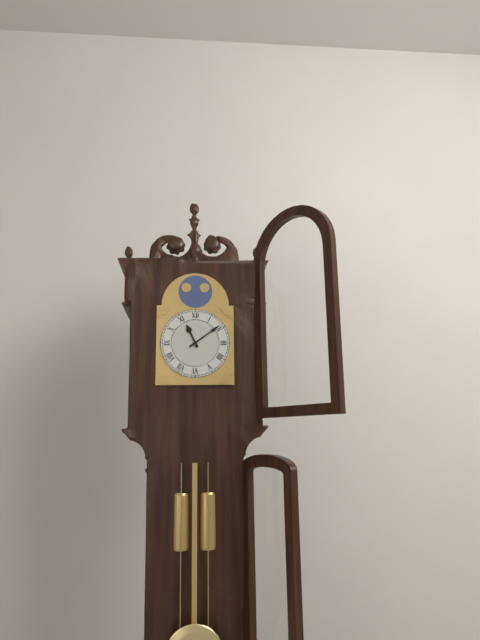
11:09
